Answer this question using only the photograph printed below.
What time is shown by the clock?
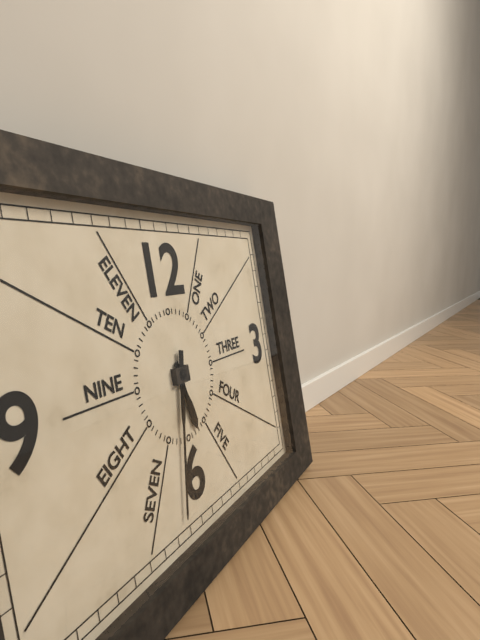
5:32
